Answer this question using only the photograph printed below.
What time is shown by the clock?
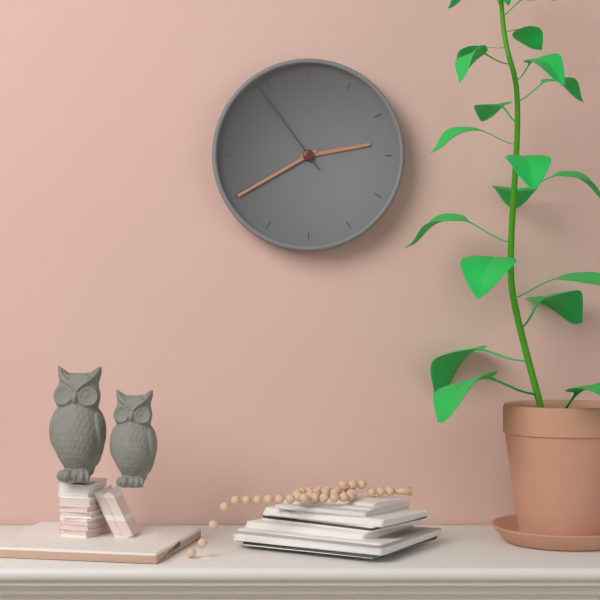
2:40:54
